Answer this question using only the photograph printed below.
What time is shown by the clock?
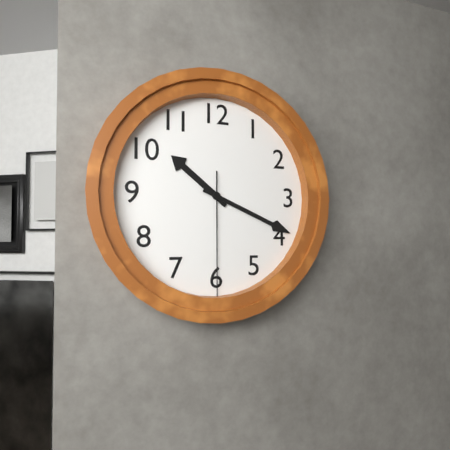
10:19:30
